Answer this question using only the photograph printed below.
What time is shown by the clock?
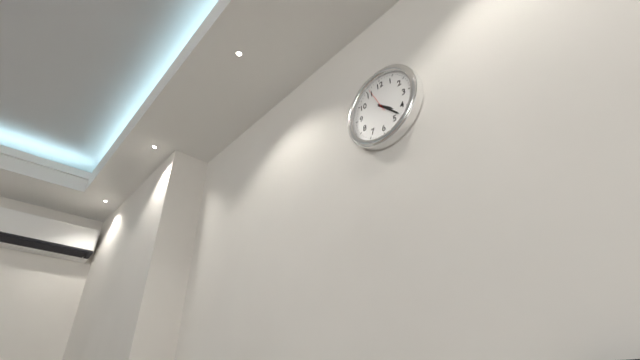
4:23
